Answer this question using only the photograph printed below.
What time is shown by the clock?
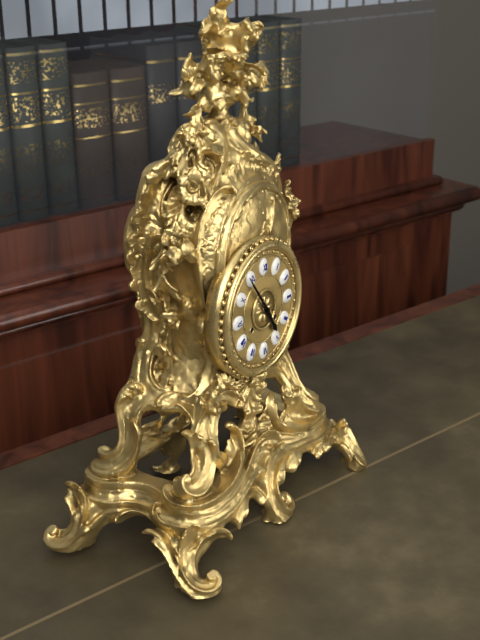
4:54
